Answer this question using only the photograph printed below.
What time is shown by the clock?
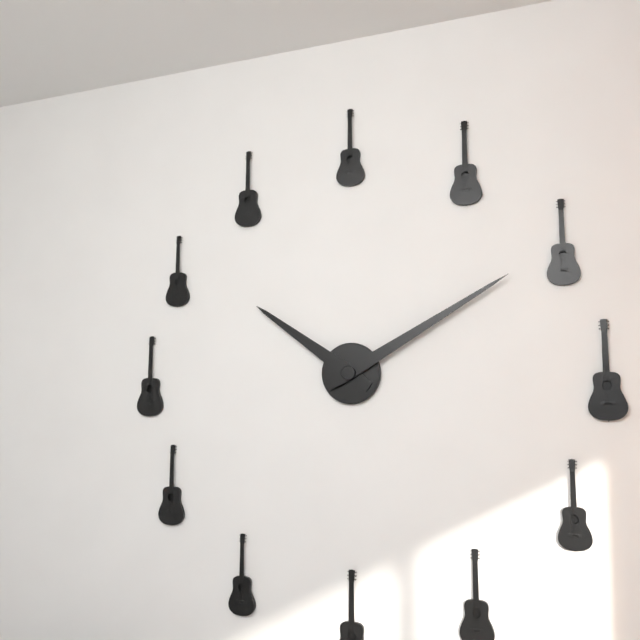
10:10
